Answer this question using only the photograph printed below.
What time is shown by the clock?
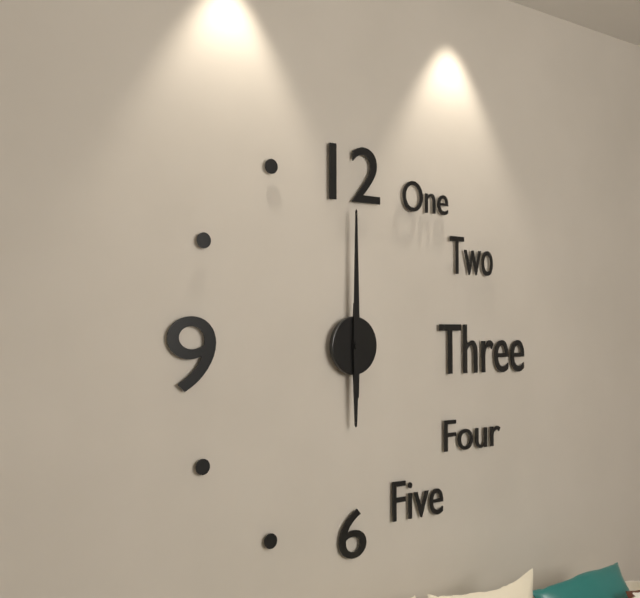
6:00
